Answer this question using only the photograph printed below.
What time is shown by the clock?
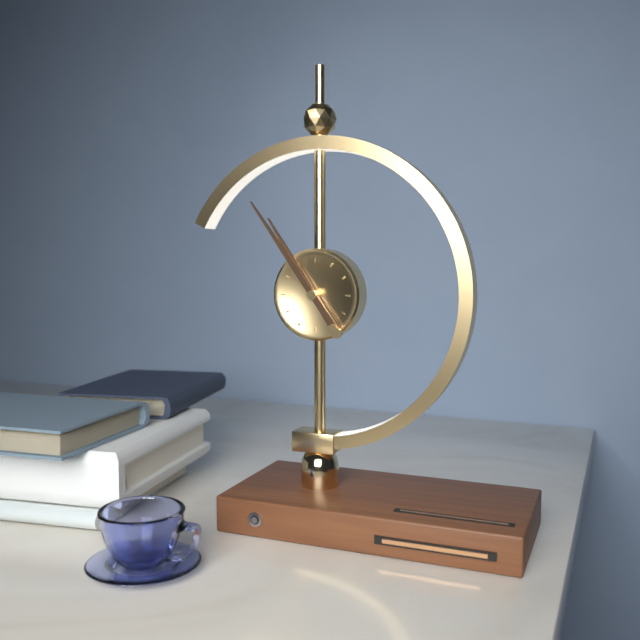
10:54
